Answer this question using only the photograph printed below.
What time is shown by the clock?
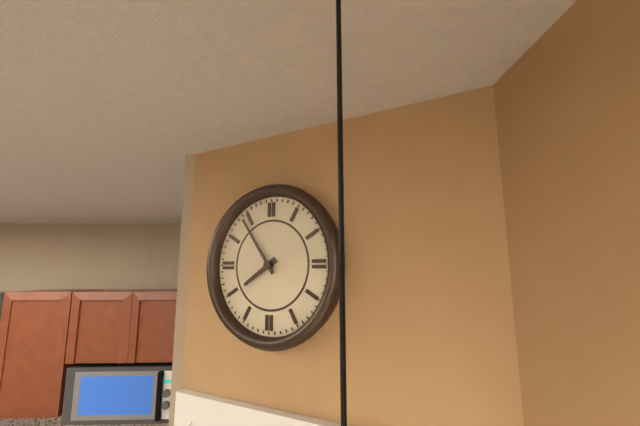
7:54
